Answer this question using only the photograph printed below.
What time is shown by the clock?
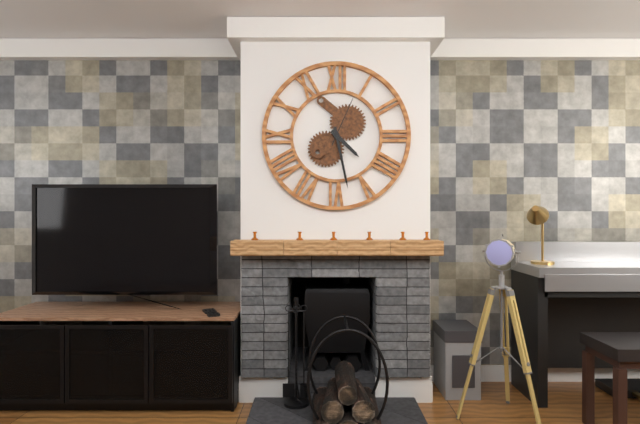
4:28:04
